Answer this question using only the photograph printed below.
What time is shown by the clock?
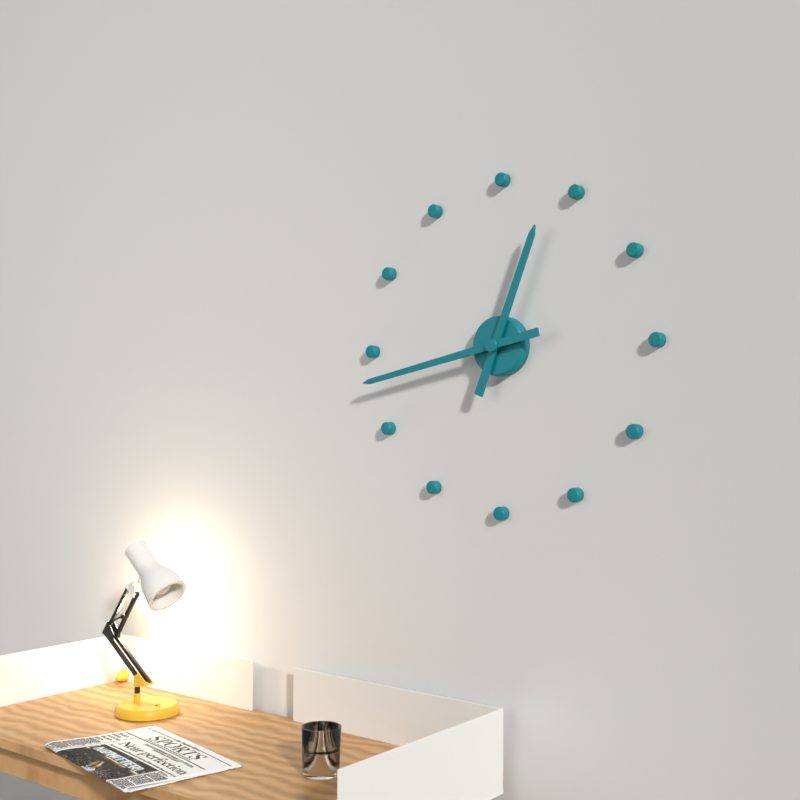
12:43
